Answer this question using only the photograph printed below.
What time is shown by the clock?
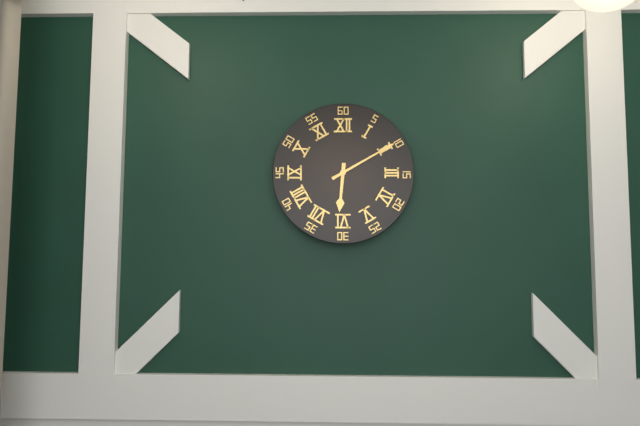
6:10
